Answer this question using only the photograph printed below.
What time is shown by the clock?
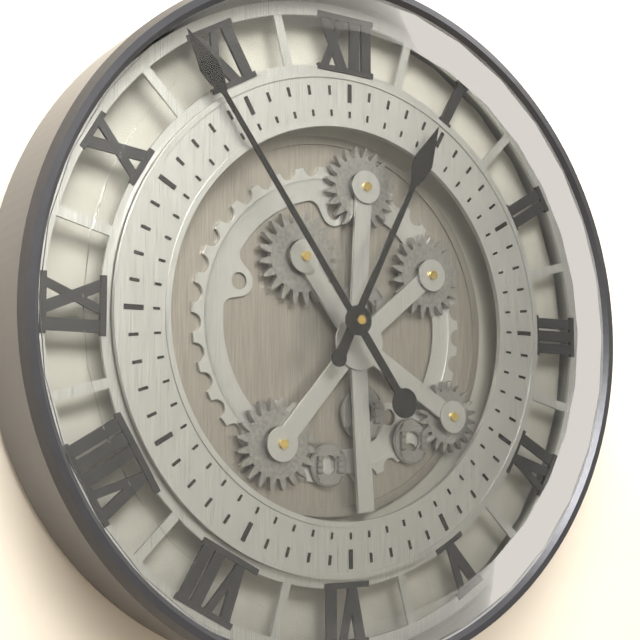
12:54
